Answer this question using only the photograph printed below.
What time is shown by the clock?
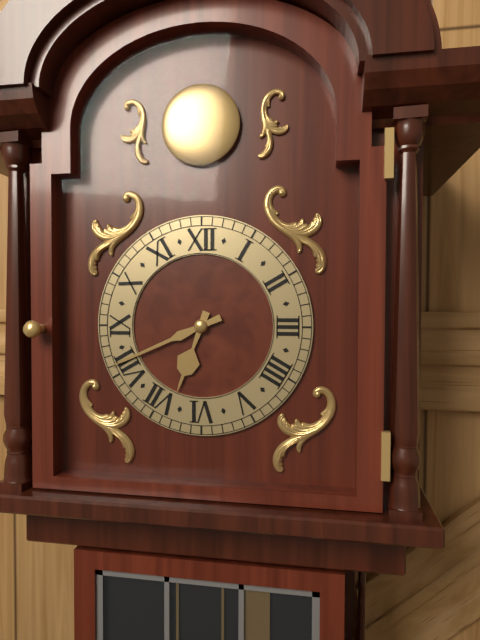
6:41
